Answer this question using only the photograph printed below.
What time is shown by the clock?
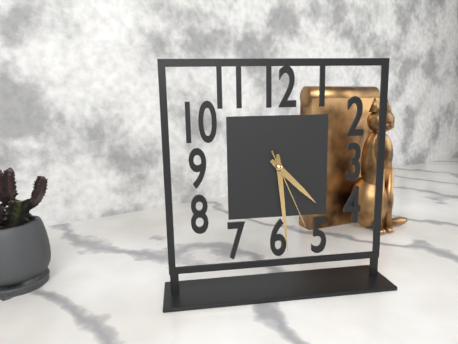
4:29:26
